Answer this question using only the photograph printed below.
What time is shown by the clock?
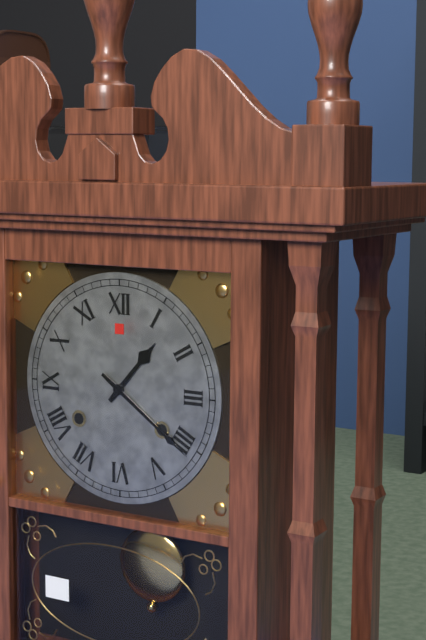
1:21
